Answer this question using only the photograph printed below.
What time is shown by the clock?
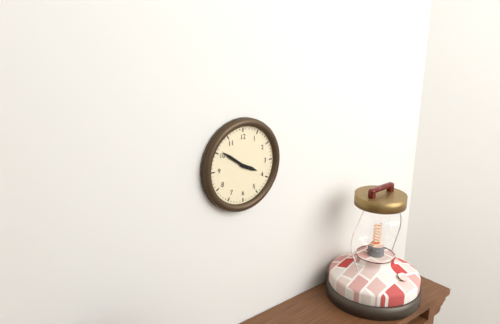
3:51
